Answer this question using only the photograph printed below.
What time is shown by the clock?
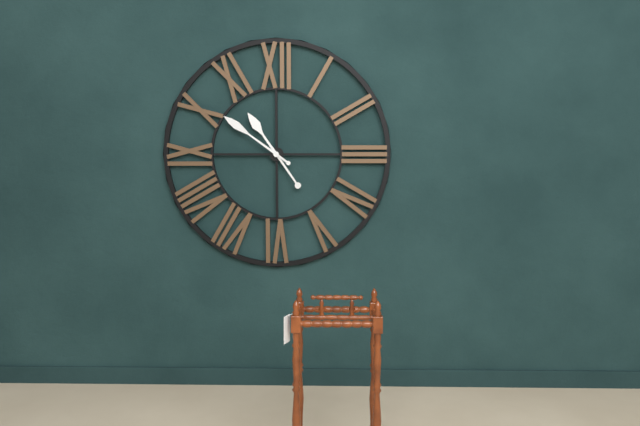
10:51
